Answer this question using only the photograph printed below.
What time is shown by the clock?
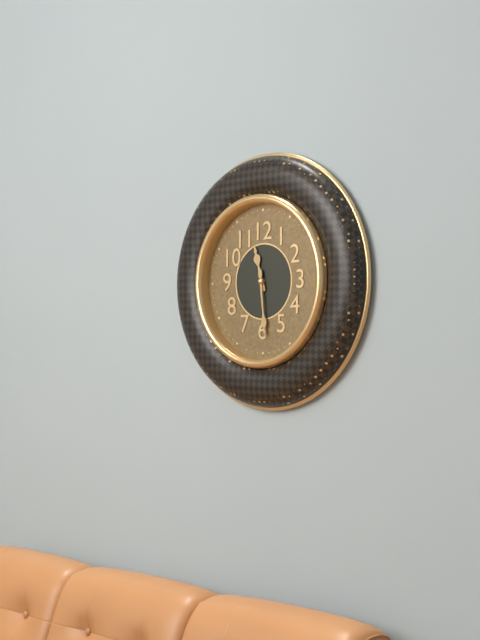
11:29
